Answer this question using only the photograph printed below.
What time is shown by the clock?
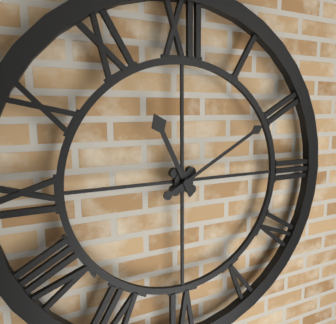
11:10
